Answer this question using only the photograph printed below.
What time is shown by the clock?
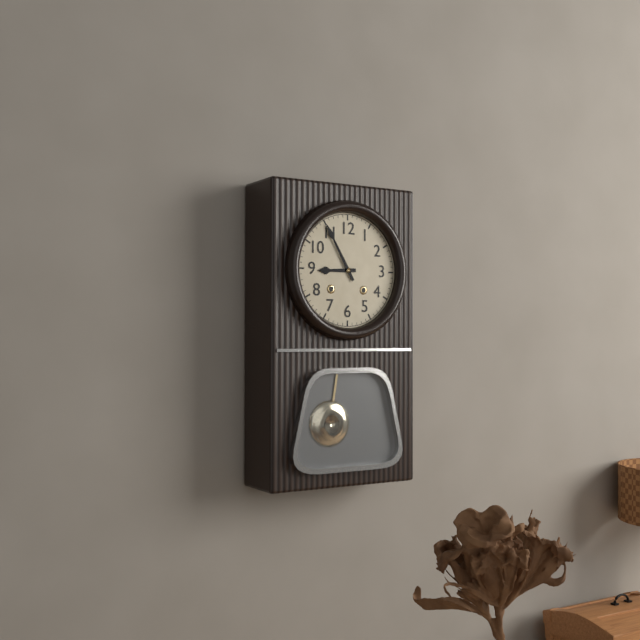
8:55
